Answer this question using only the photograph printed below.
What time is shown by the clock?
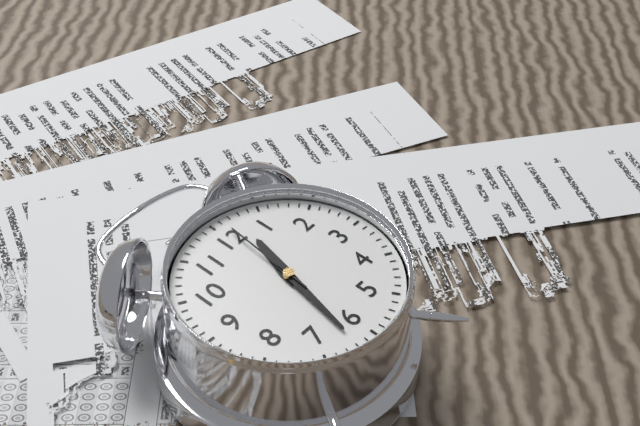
12:32:01
